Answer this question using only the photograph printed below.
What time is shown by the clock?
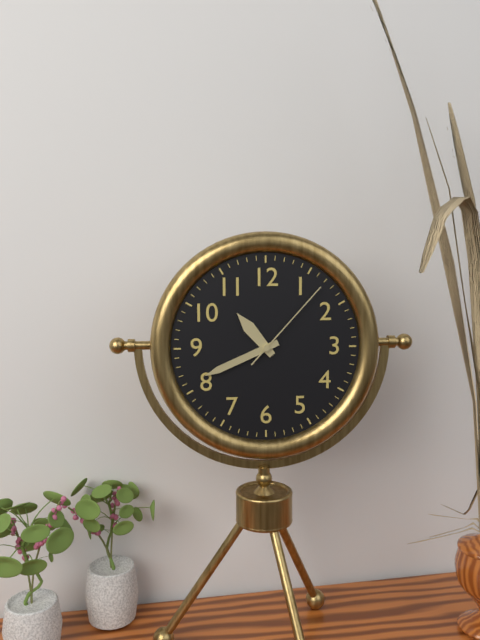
10:41:07
